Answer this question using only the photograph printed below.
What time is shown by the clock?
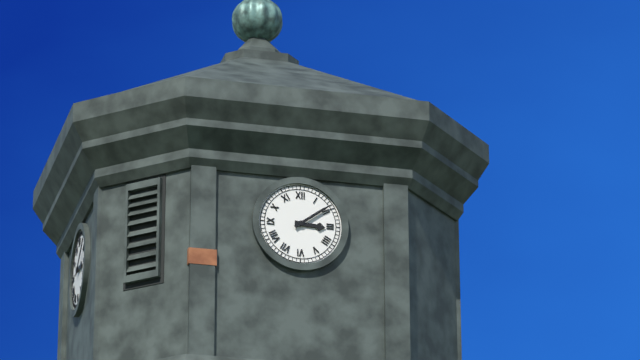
3:09
